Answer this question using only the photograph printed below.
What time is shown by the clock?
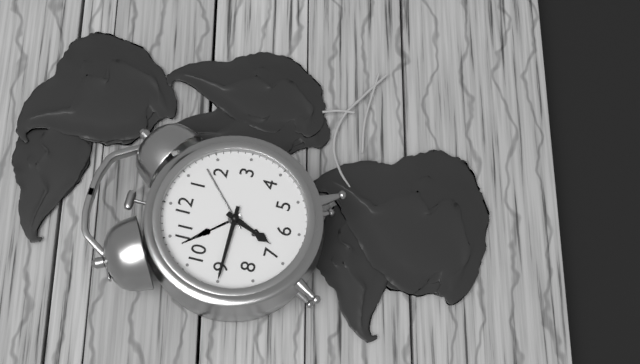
6:45
